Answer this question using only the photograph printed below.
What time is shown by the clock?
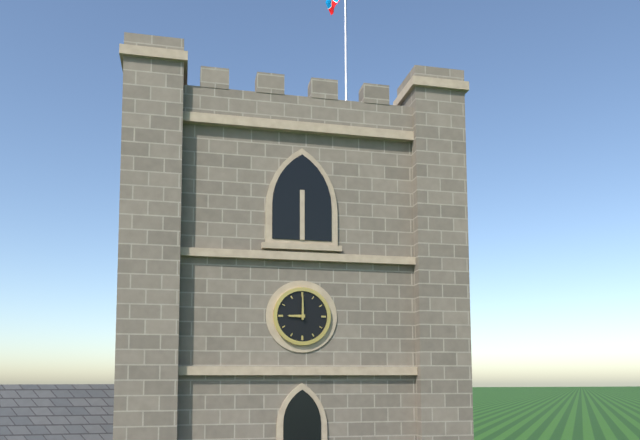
9:00
